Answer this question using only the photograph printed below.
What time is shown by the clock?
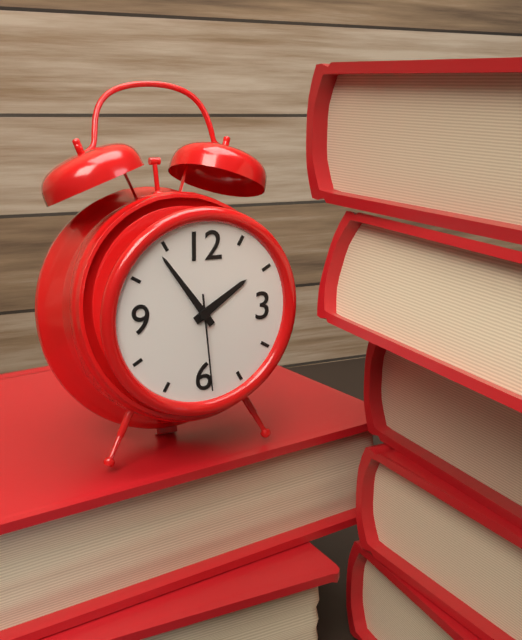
1:54:29
